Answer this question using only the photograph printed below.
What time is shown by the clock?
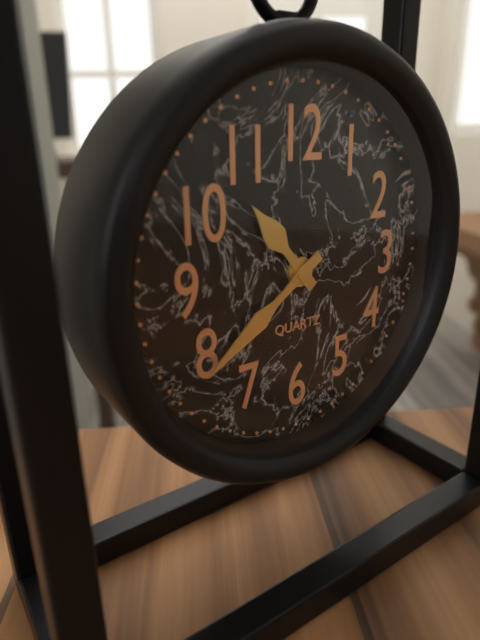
10:39
